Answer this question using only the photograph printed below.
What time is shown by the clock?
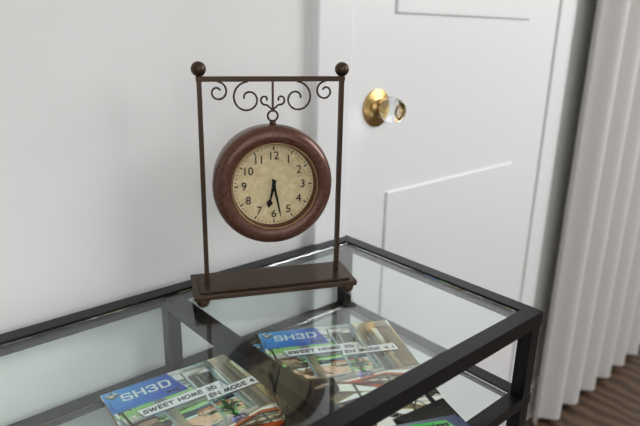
6:28
